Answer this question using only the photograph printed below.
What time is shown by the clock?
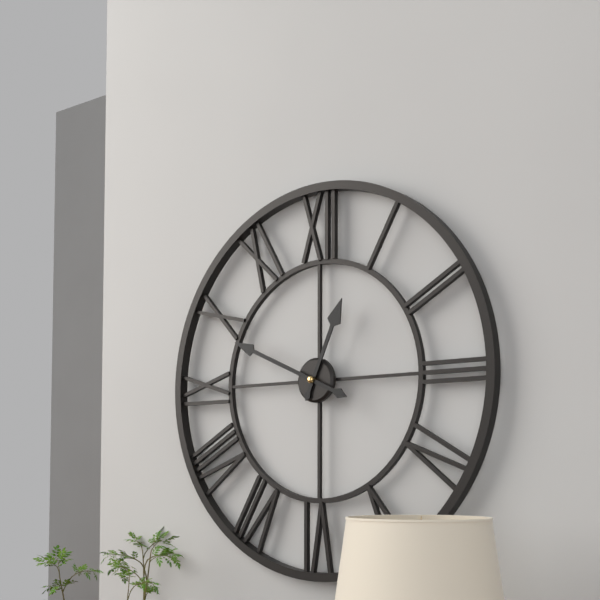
12:49
